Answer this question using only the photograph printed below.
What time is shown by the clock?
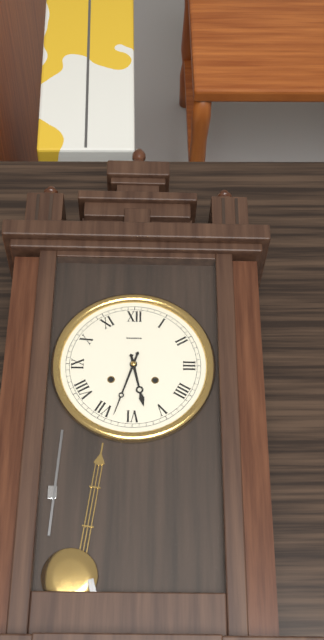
5:33
